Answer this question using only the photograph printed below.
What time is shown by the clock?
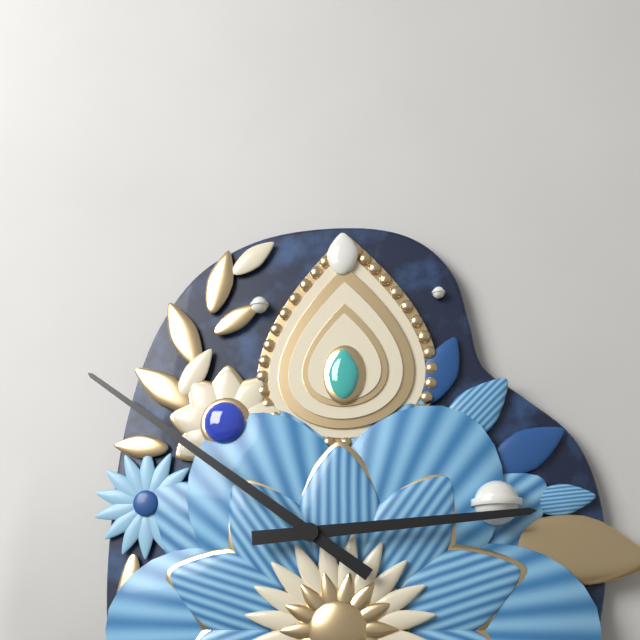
2:51
